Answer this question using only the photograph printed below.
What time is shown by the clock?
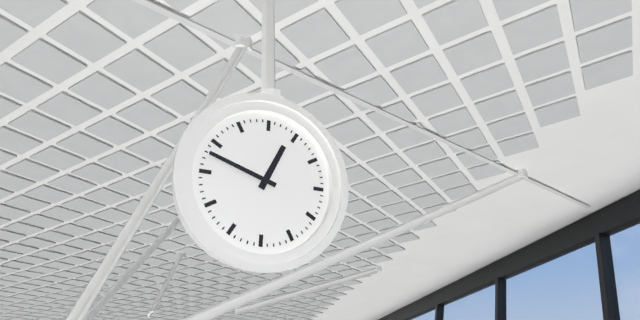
12:48
